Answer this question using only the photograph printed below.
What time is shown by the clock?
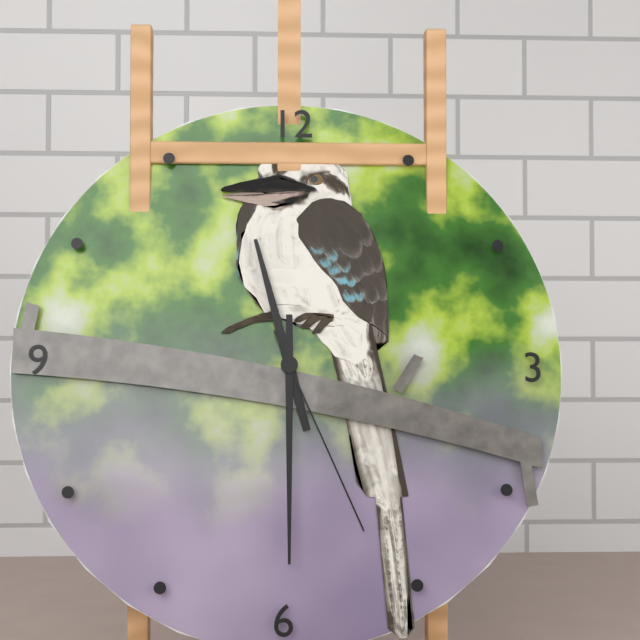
11:30:26
